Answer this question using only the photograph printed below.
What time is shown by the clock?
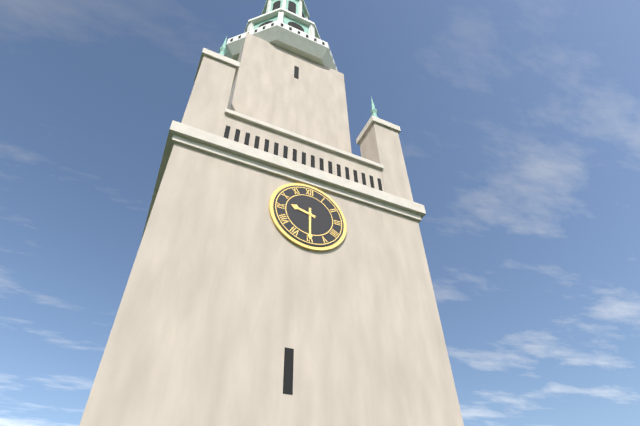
9:30
